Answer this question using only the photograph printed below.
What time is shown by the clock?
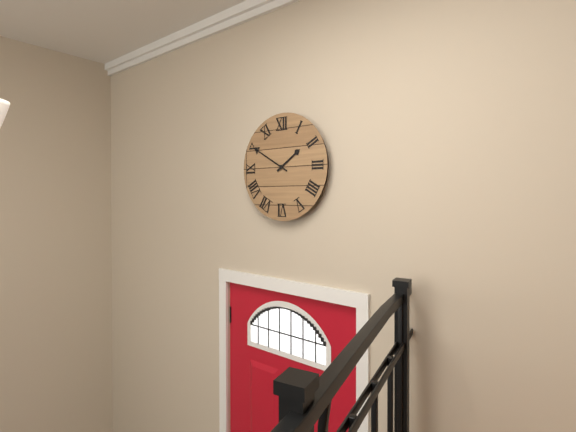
1:50
